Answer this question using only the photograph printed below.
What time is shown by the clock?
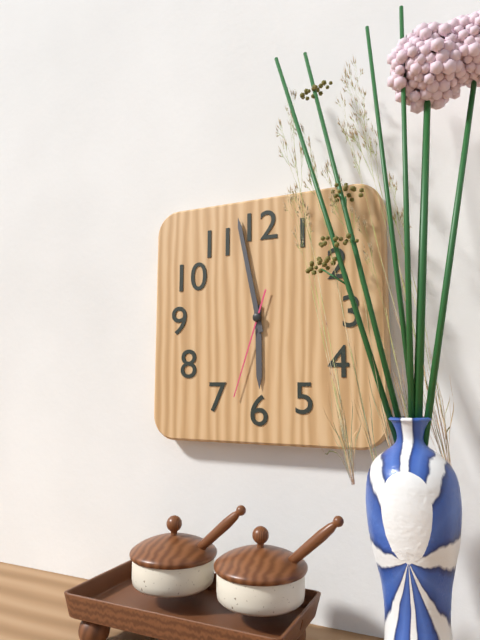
5:58:33
